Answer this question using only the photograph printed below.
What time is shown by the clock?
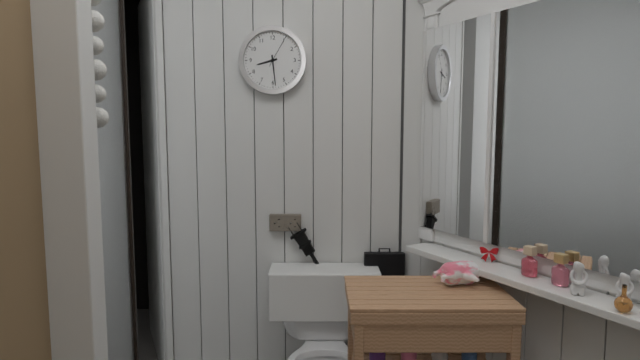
8:29
